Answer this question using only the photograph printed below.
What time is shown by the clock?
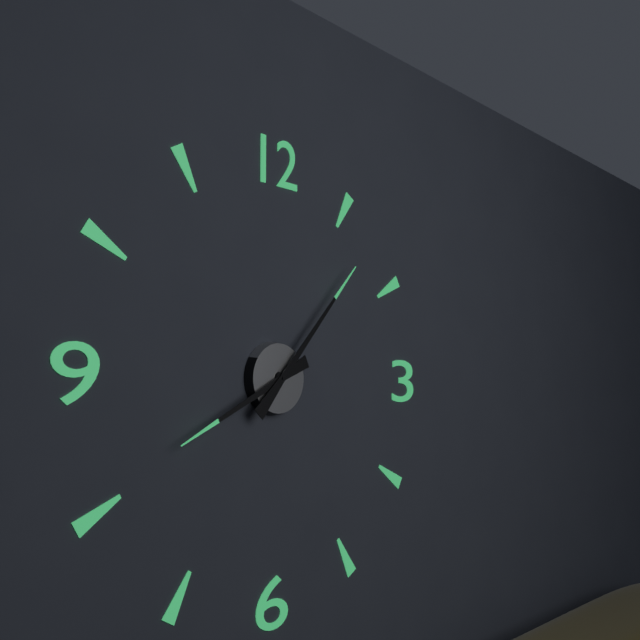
8:07
